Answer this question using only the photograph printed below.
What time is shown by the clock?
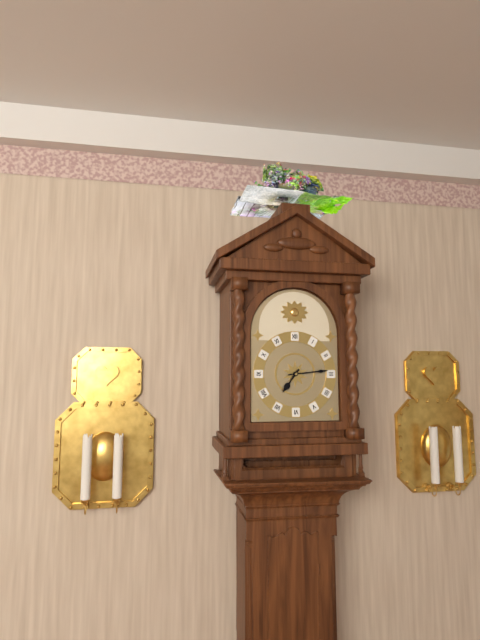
7:14
